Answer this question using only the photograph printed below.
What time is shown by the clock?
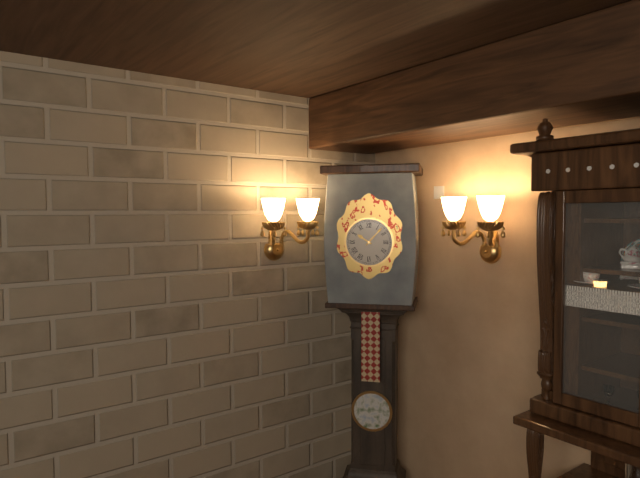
10:07
